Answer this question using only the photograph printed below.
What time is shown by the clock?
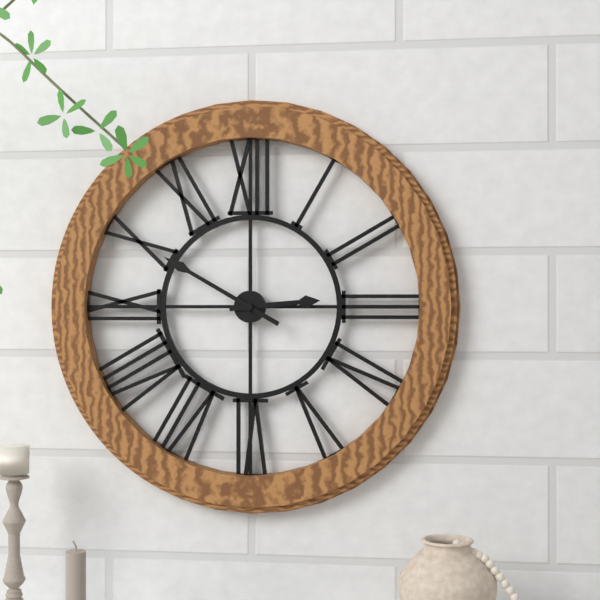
2:50
